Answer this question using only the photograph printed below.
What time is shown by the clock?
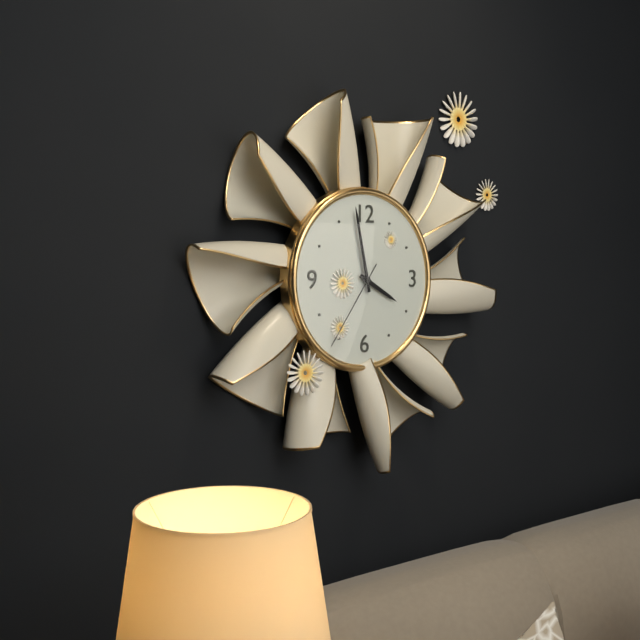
3:58:36
